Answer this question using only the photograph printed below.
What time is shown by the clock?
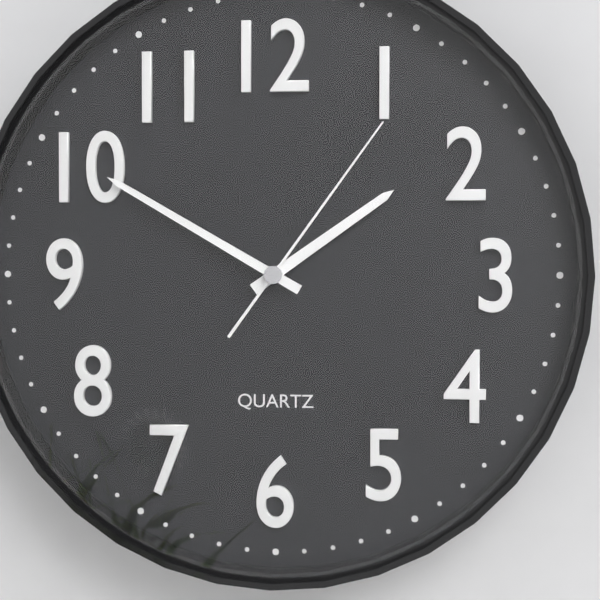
1:50:06
